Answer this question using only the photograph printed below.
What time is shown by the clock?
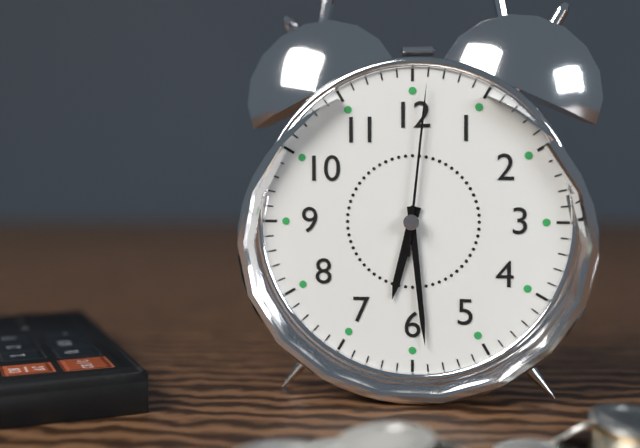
6:29:01
